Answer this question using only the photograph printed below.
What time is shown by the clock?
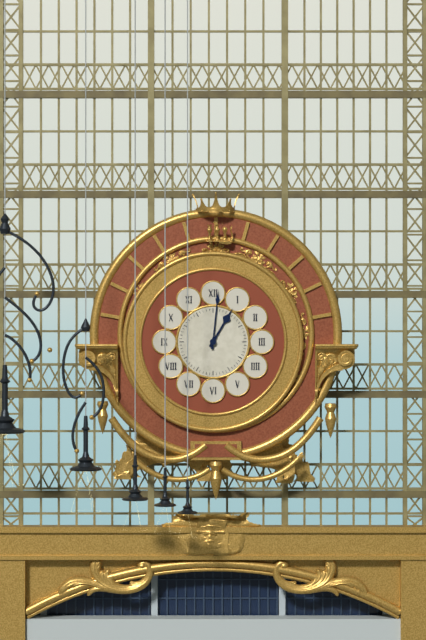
1:01
